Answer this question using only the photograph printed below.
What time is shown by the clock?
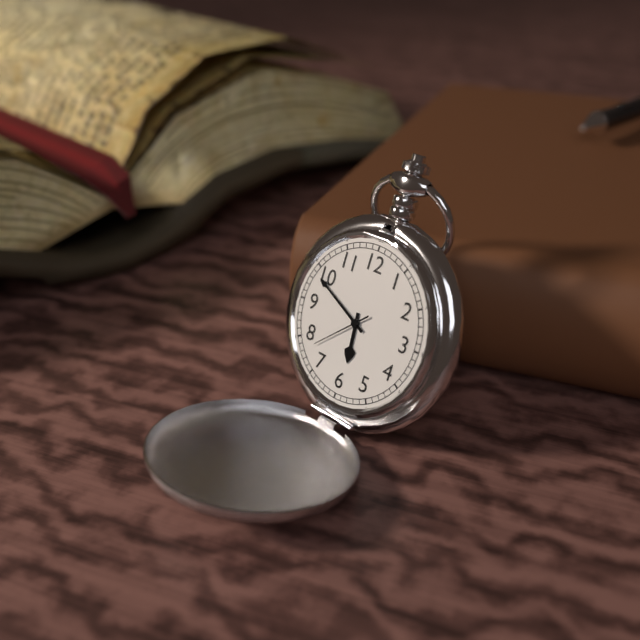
5:49:38
